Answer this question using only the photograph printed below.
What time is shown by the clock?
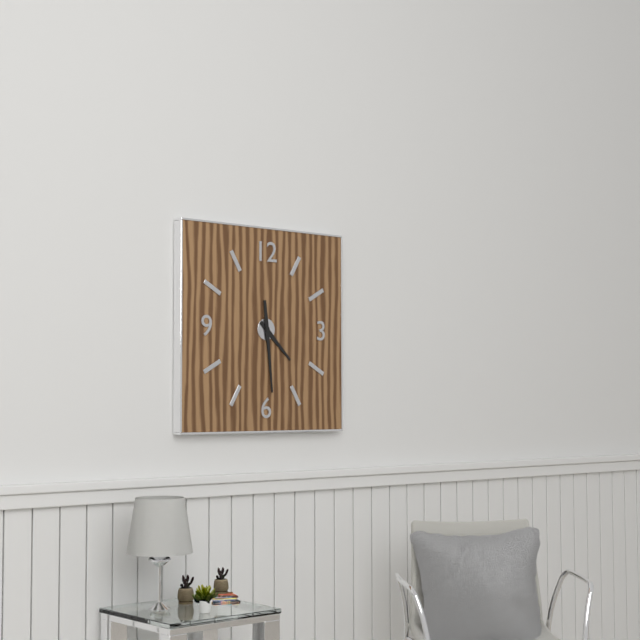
4:29
